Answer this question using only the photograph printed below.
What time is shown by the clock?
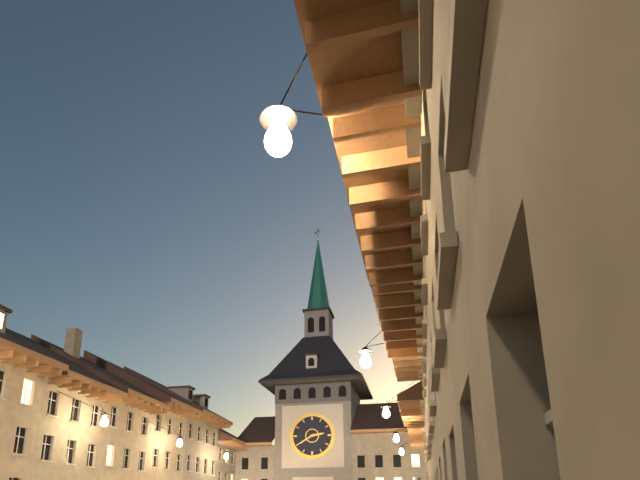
2:40
